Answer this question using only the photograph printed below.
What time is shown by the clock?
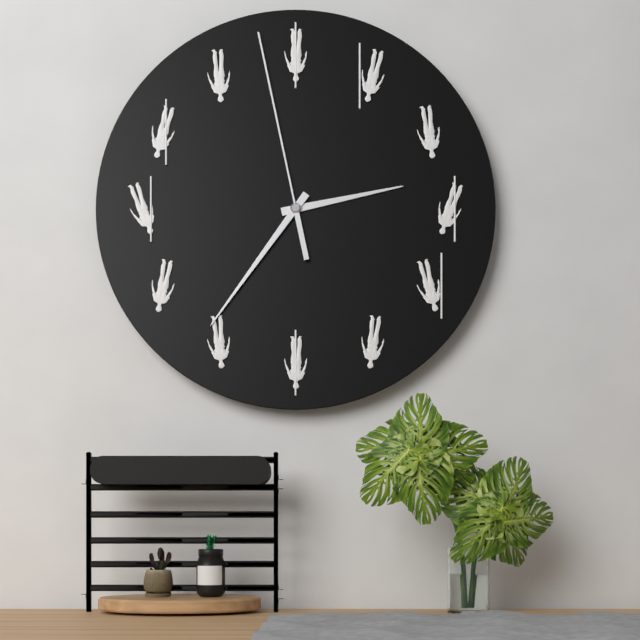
2:36:58
